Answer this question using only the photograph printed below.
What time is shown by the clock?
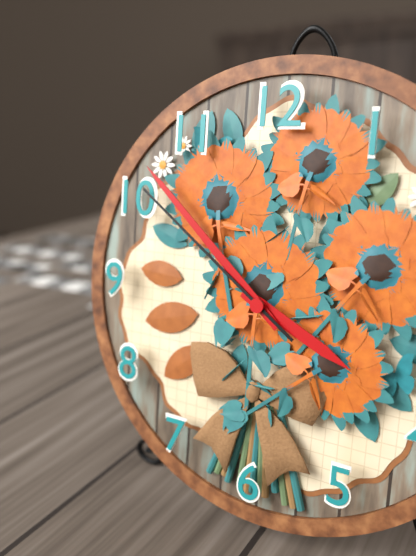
3:52:51
